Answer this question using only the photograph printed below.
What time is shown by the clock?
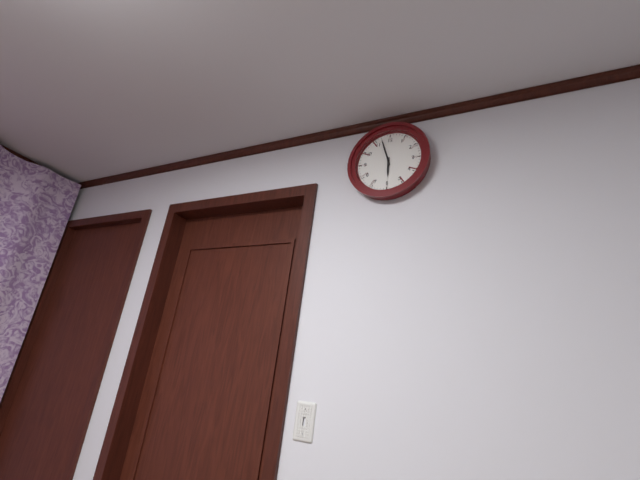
5:57
